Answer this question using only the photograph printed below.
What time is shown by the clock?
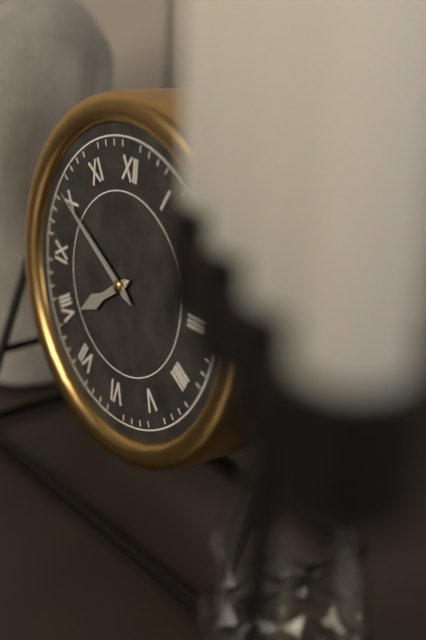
7:50
